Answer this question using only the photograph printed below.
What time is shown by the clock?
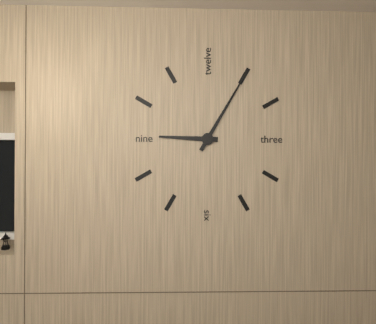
9:05
